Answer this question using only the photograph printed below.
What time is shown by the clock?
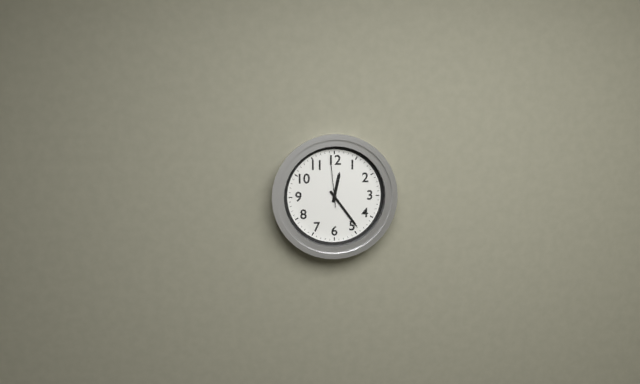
12:24:59
